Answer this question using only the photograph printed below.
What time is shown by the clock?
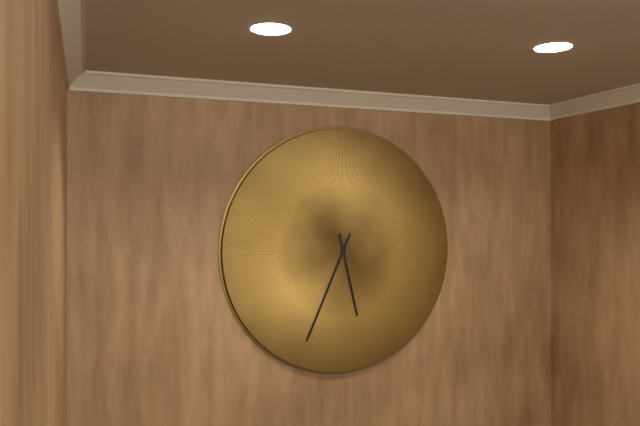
5:34
